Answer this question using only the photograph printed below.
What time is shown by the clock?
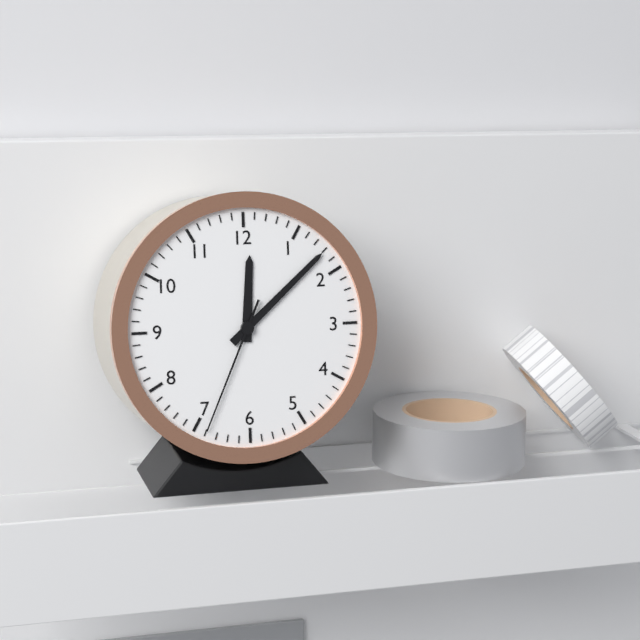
12:08:34
